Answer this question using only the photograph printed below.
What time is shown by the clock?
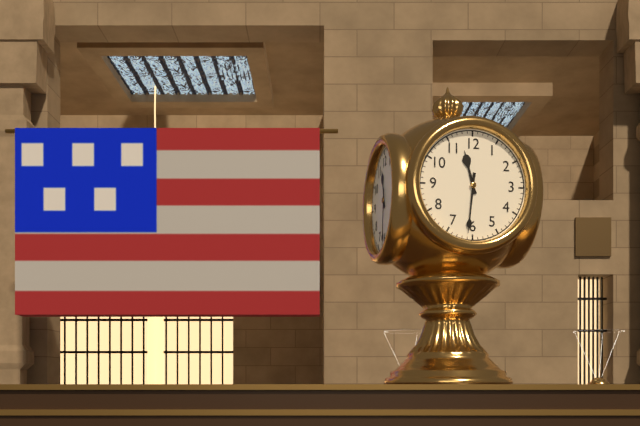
11:31
